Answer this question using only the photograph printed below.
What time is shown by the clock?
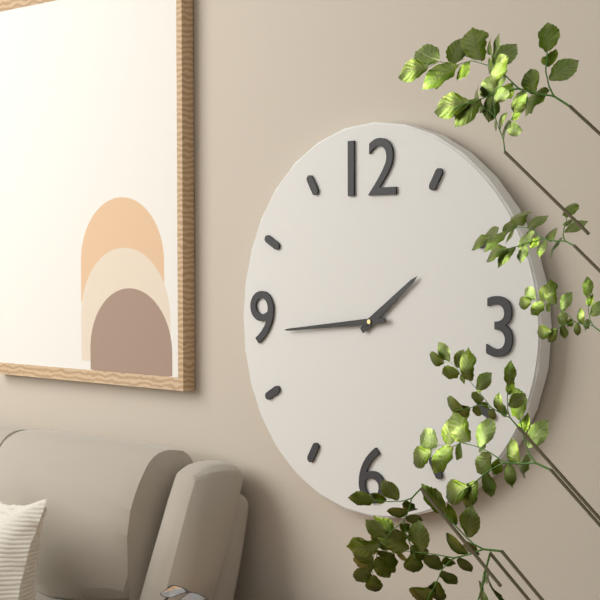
1:44
